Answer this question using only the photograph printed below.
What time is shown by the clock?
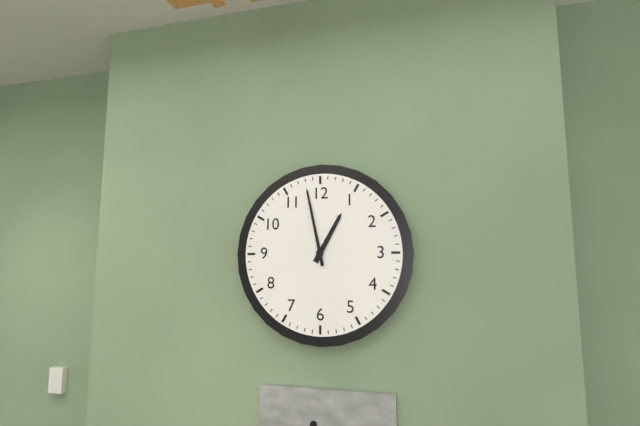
12:58
